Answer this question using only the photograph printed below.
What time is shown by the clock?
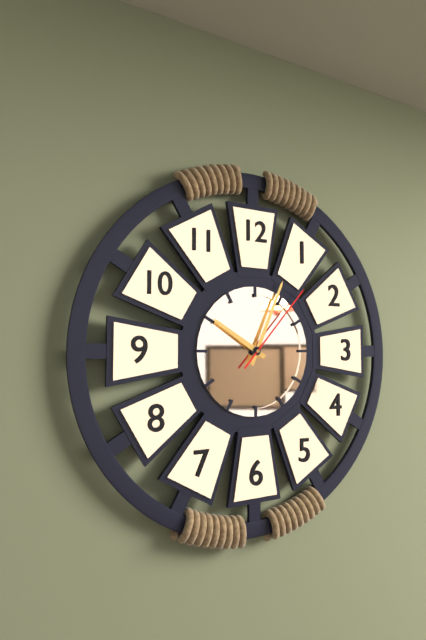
10:04:07
